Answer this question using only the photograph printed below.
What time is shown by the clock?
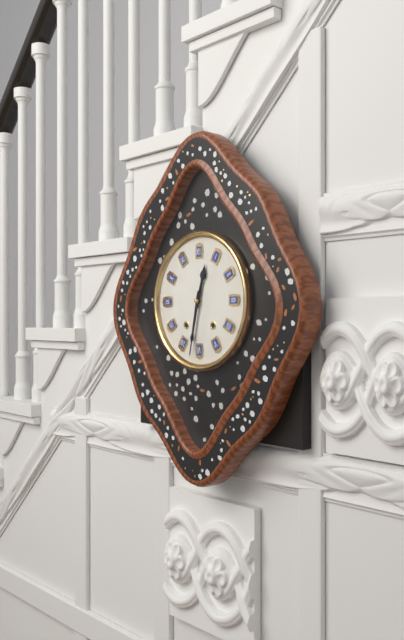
12:32
